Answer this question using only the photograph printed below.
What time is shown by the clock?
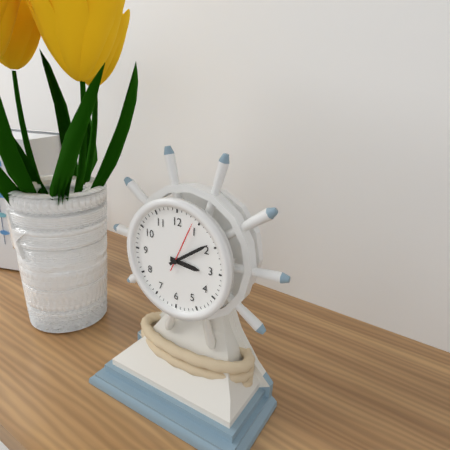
3:09:04
